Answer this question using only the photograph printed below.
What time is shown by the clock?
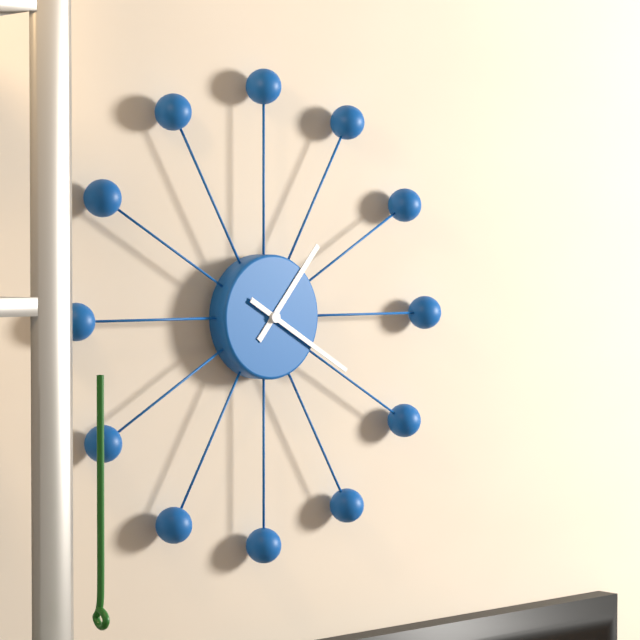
1:20
